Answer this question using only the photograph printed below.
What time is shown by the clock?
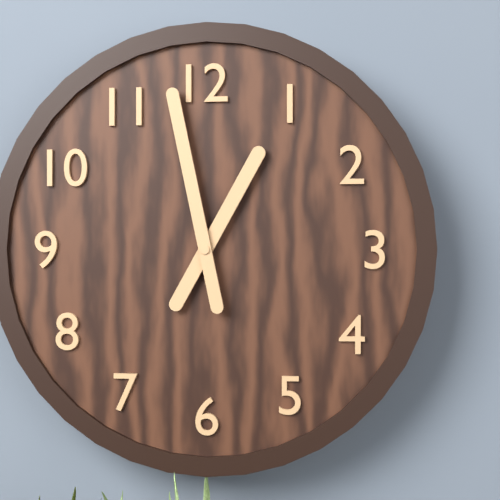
12:58
